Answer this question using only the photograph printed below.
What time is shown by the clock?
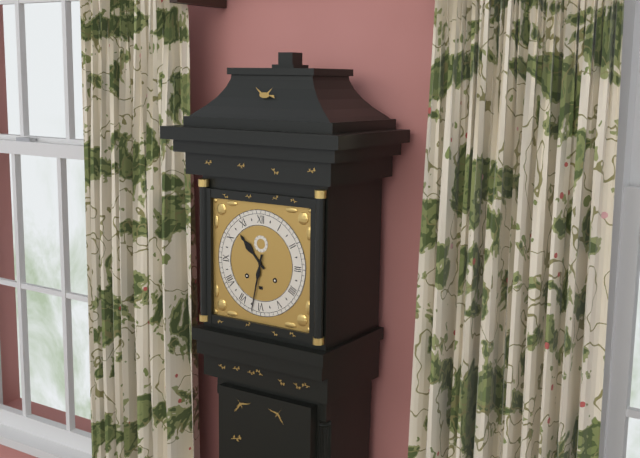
10:32
